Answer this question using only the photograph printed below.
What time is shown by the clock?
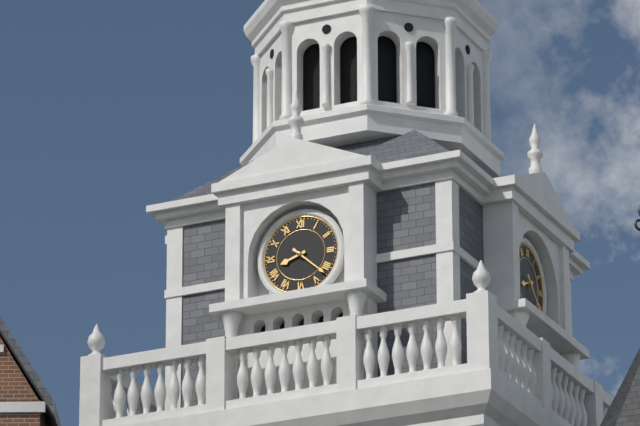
8:22
